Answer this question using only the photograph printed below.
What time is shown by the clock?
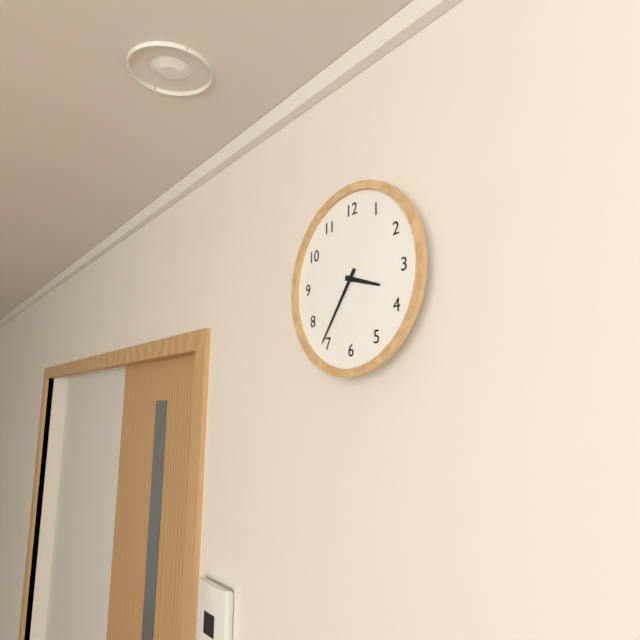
3:36
